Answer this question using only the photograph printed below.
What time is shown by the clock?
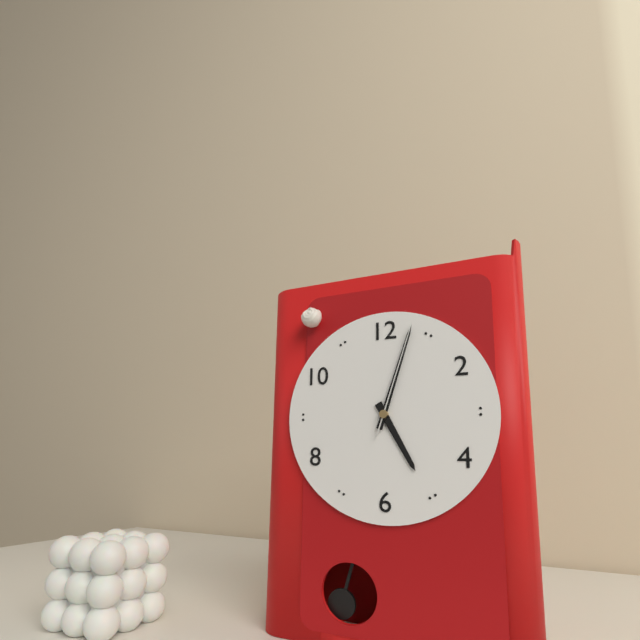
5:03:03
